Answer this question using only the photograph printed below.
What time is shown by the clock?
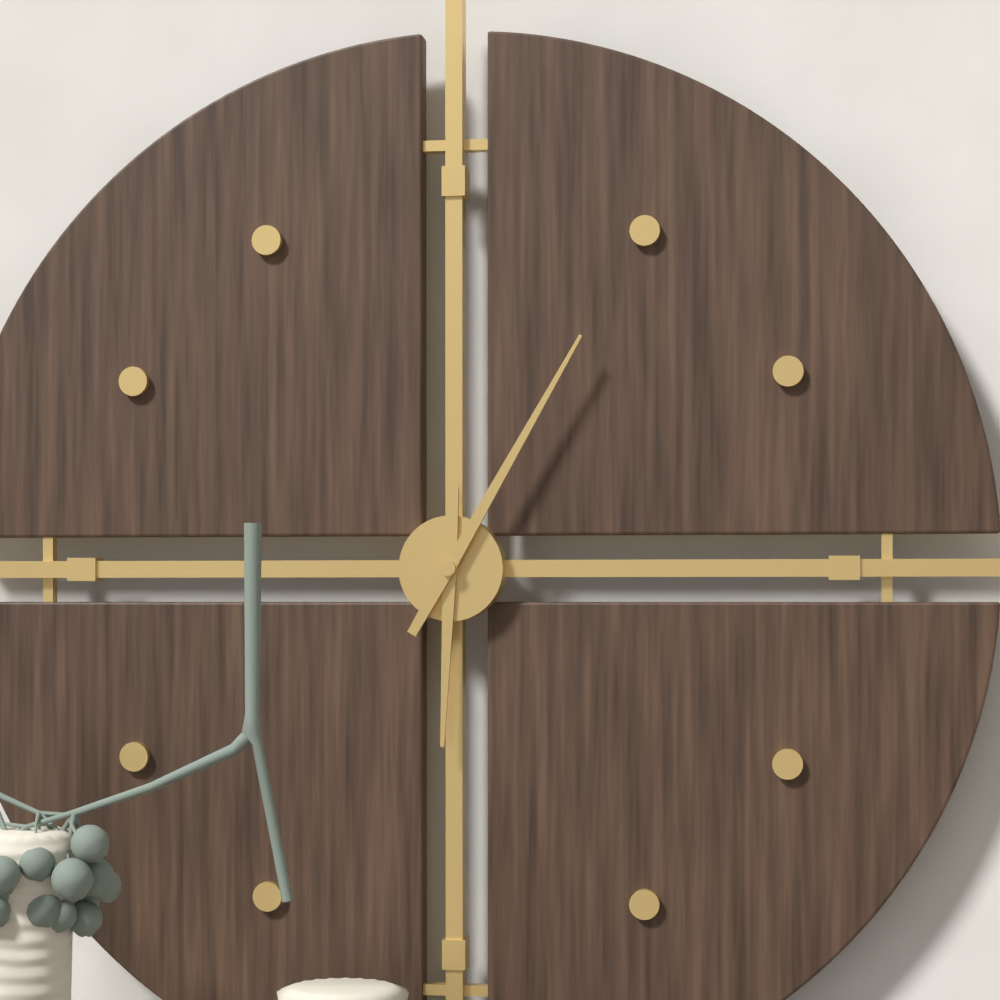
6:05
